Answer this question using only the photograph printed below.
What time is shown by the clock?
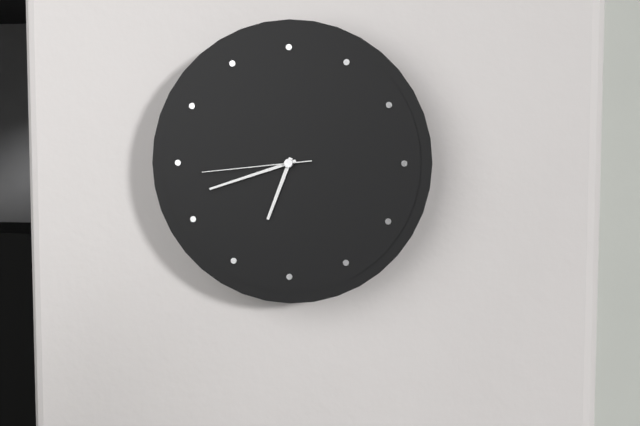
6:42:44
